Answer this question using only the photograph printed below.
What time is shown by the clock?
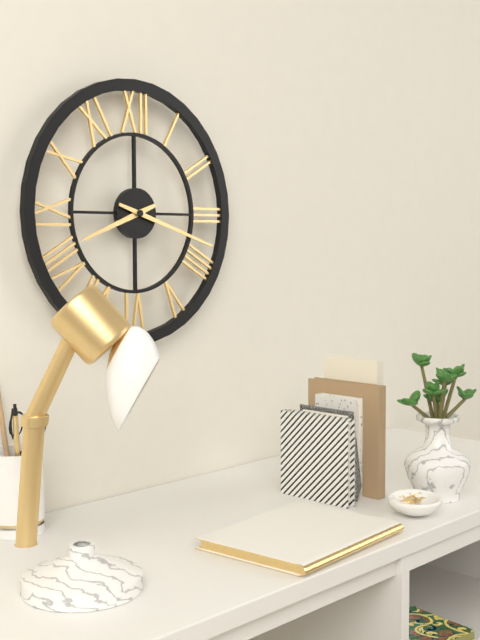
8:18
